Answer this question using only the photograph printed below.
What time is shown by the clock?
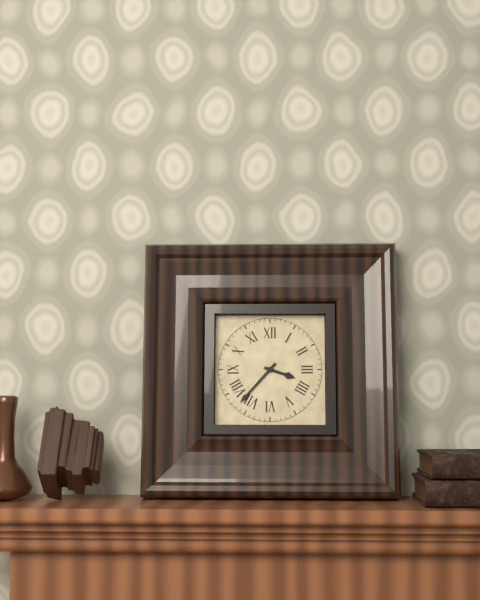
3:37
